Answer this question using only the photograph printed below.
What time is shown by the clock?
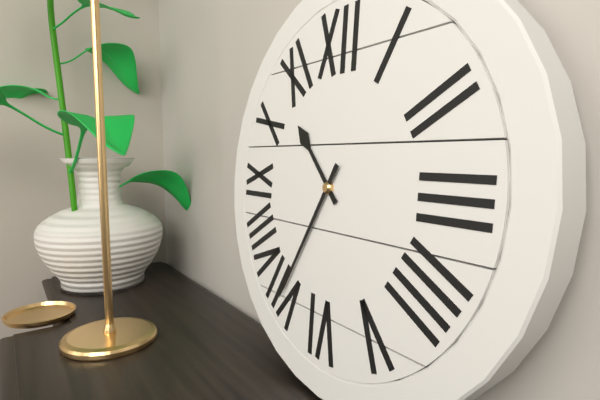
10:35
